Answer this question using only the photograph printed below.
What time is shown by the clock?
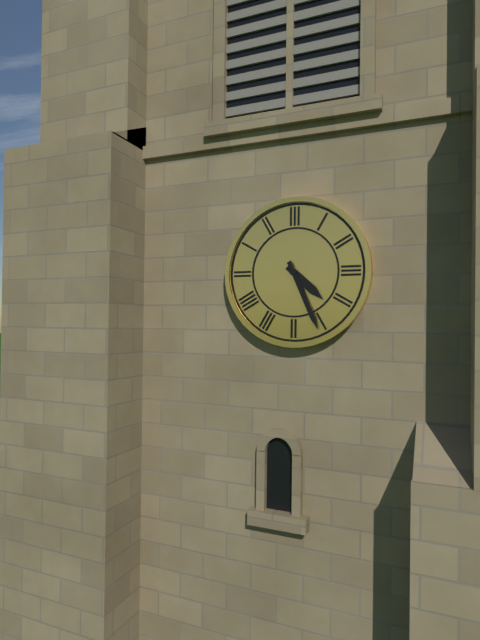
4:26
